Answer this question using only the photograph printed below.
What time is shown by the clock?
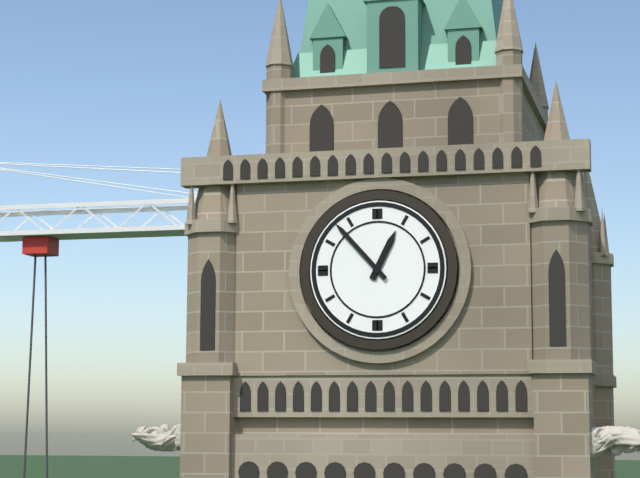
12:53
